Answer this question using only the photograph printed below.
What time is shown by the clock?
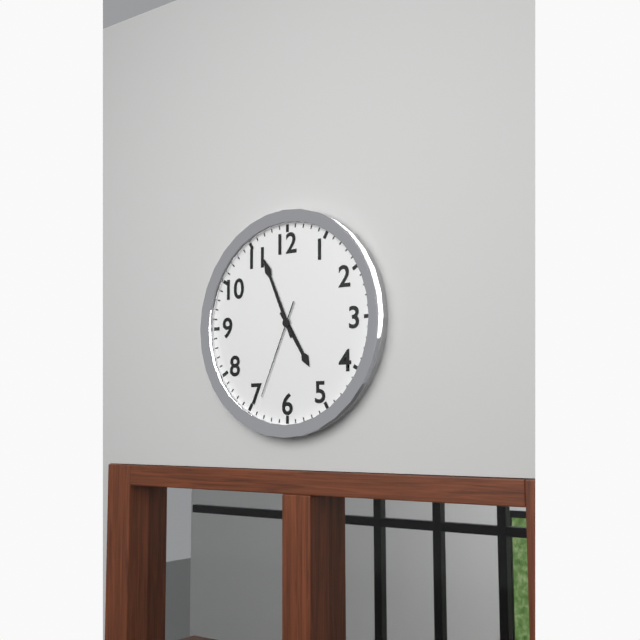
4:56:34
